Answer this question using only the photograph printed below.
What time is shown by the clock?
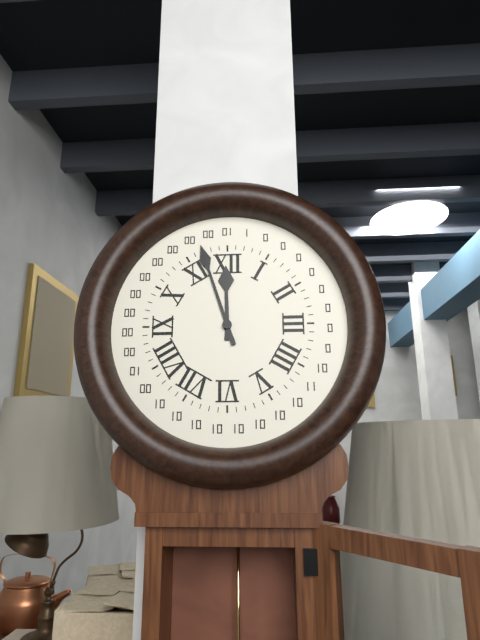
11:57
